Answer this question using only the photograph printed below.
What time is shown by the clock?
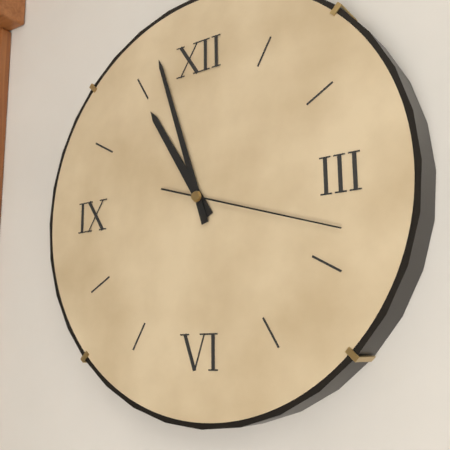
10:57:18
